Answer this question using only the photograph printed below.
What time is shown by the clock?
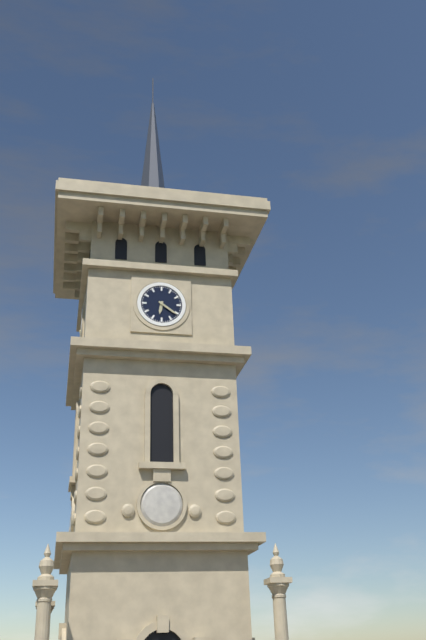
6:21
